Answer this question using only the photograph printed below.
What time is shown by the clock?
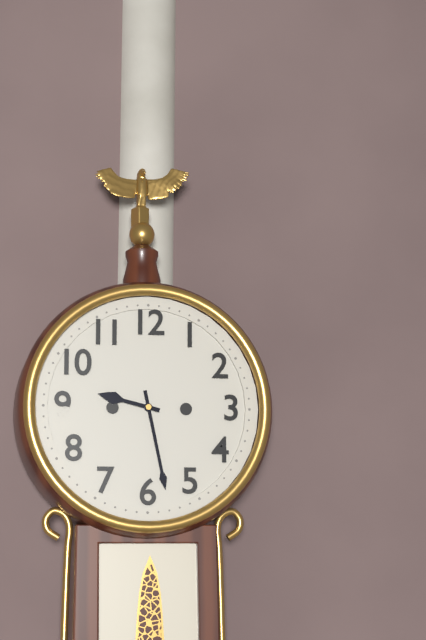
9:28
